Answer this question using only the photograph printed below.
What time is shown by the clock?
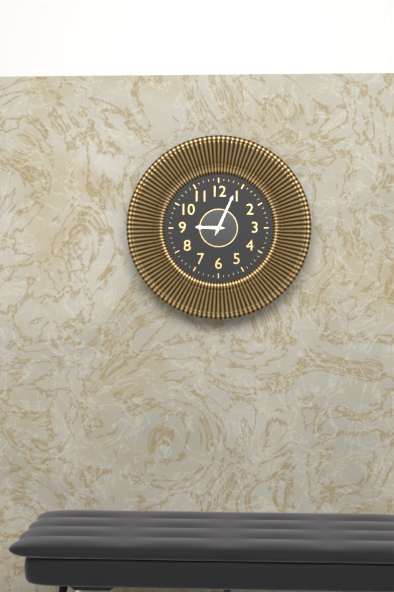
9:04
